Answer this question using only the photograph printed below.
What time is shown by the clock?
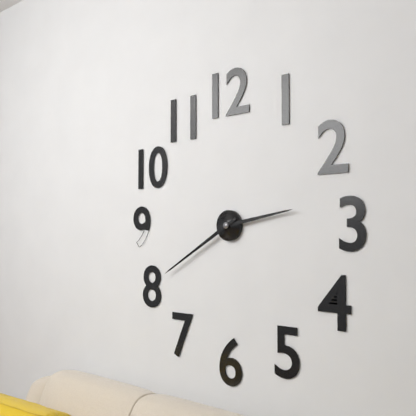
2:40
